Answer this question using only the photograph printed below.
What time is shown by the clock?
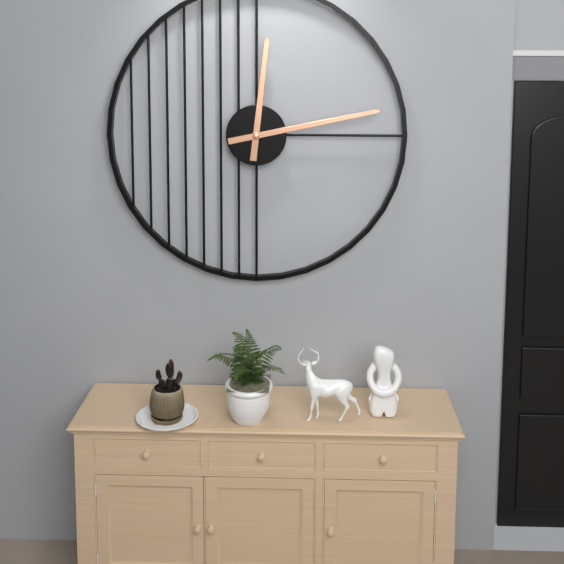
12:13
